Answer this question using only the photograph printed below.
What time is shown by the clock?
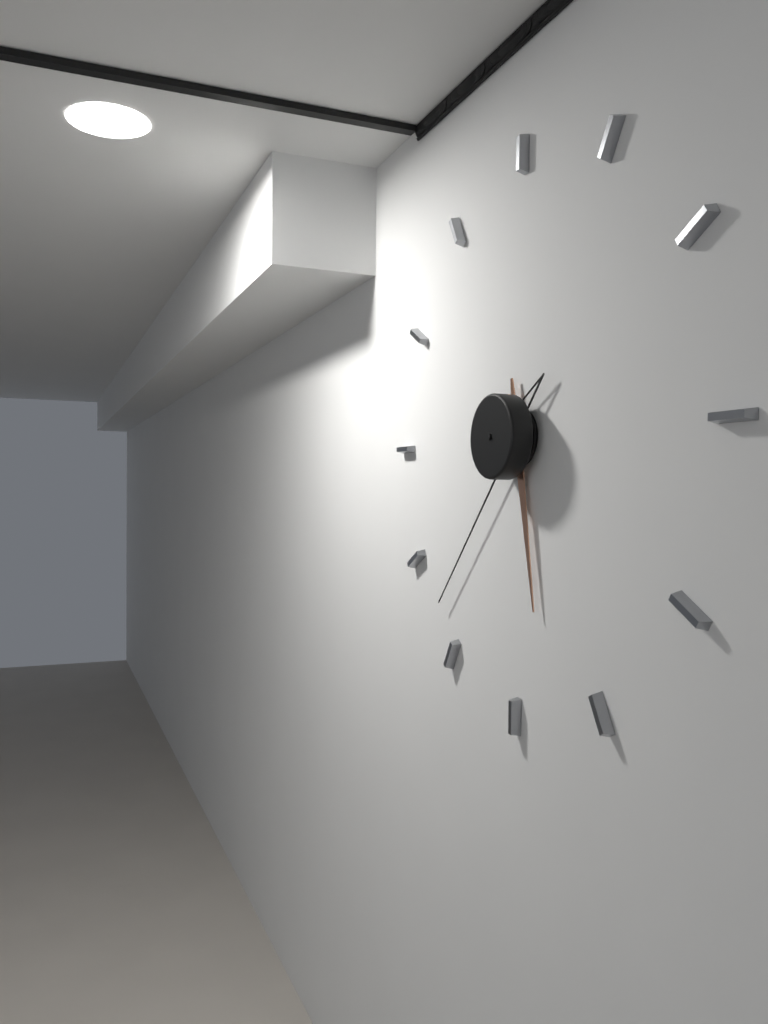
5:37
